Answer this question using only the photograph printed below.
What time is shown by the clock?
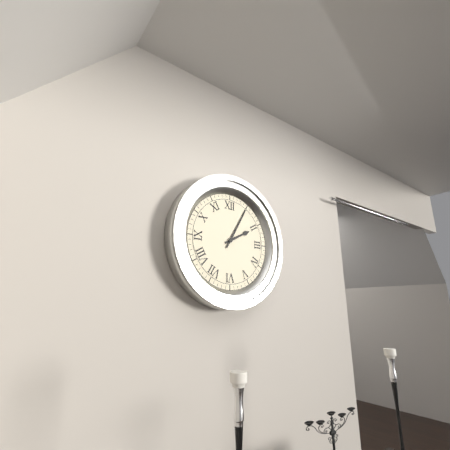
2:05
